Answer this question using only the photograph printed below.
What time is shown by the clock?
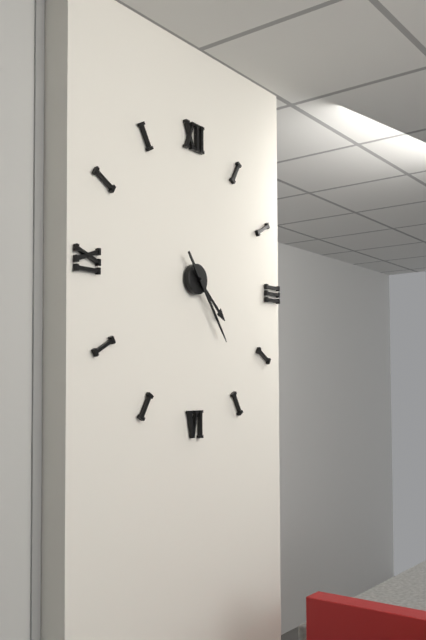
4:24
